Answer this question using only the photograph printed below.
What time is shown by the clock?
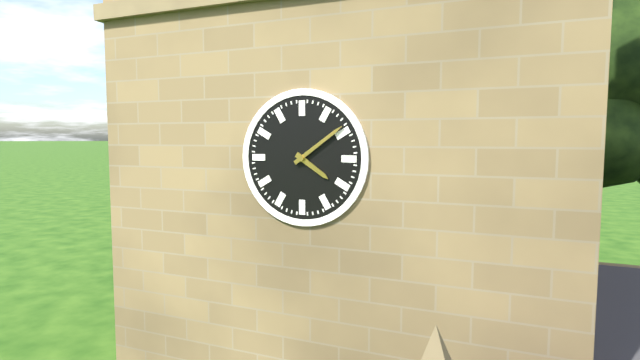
4:09
